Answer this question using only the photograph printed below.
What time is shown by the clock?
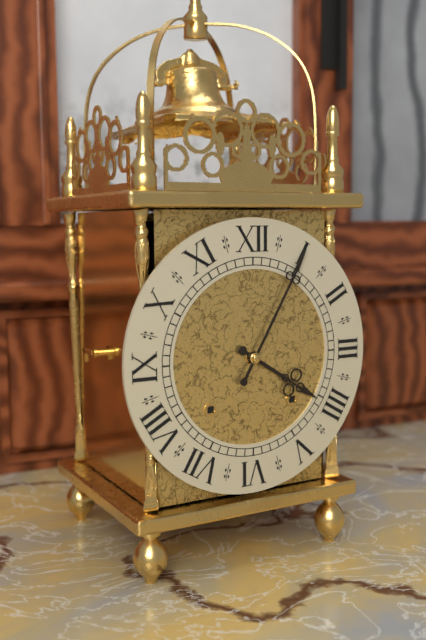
4:05
